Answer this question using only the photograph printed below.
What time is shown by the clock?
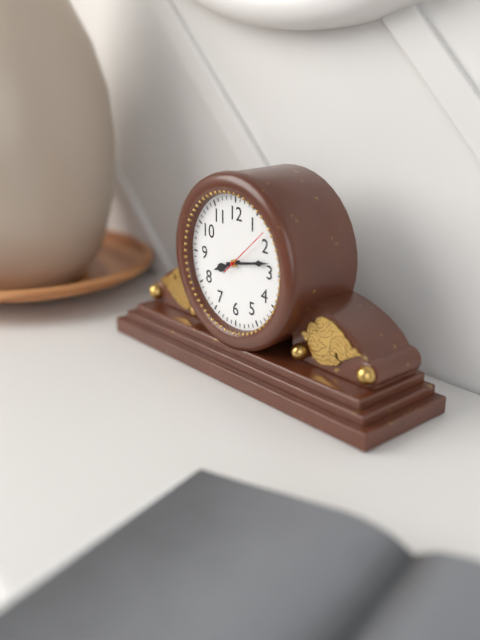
8:13:08
